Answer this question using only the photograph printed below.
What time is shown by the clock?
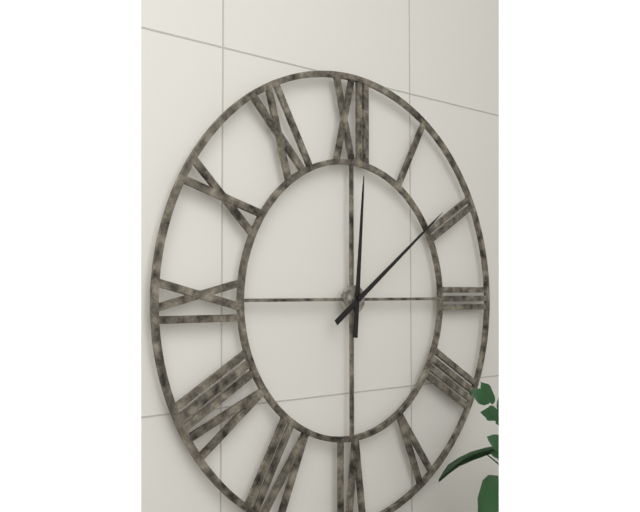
12:09
